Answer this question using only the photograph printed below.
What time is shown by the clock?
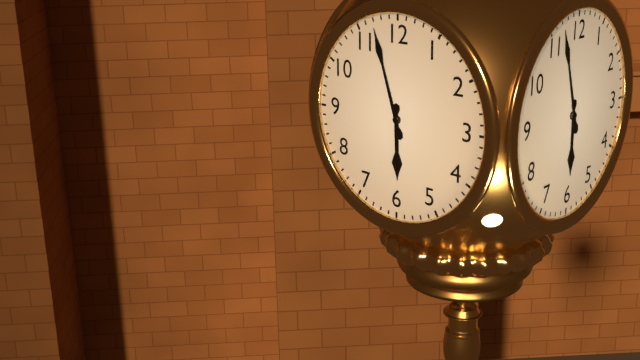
5:57
